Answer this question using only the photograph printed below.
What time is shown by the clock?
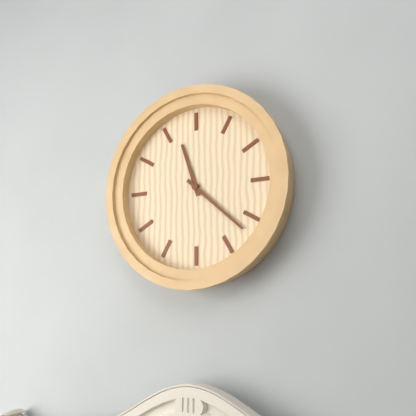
11:22
